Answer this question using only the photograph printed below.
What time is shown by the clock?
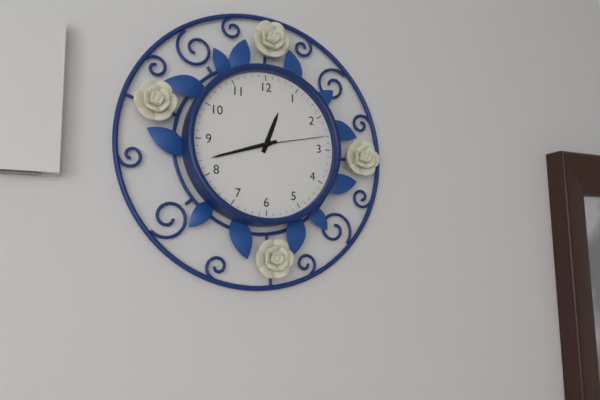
12:42:13
